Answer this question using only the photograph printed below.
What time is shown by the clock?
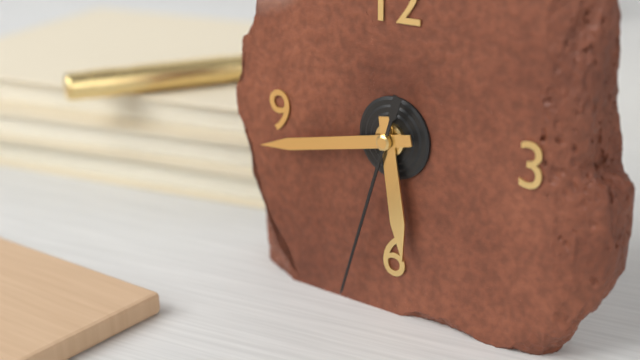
5:43:33
